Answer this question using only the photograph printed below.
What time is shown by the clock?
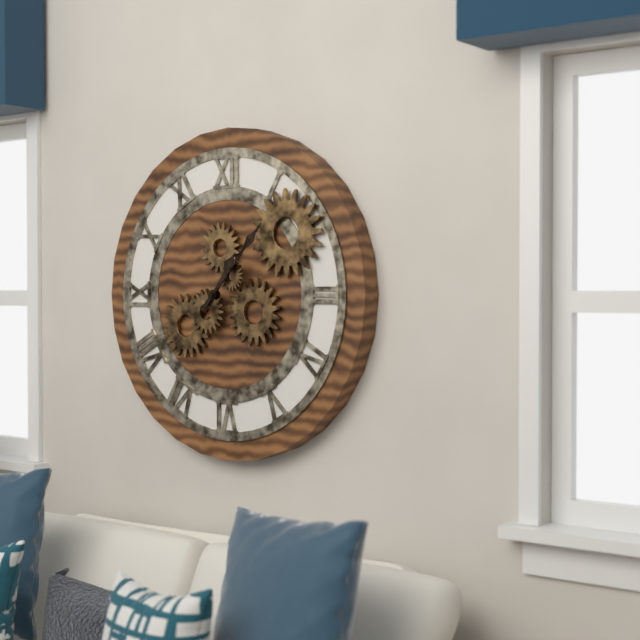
1:07
